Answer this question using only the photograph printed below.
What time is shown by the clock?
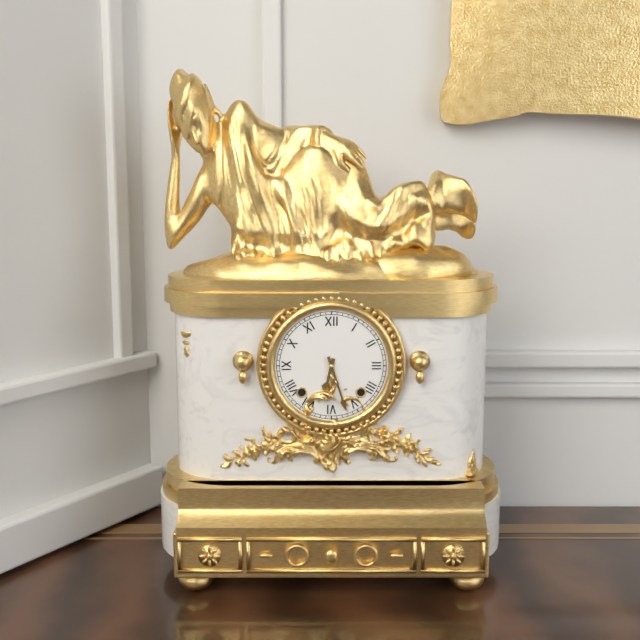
6:27
